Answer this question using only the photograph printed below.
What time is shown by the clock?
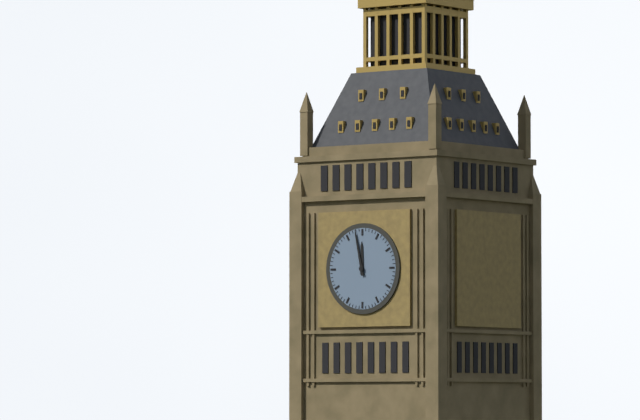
11:58
